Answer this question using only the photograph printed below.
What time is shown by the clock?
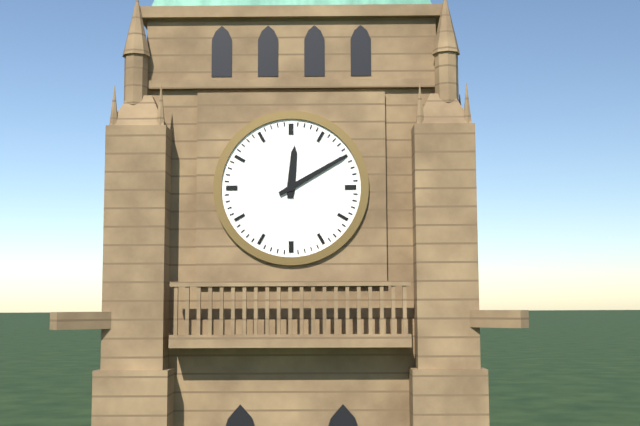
12:10
